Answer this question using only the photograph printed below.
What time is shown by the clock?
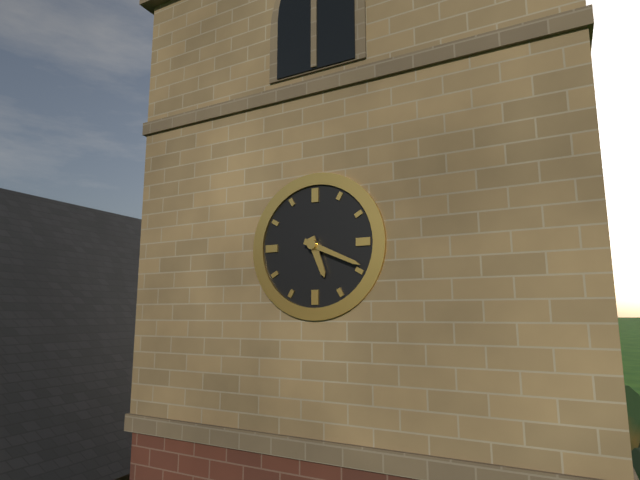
5:19
